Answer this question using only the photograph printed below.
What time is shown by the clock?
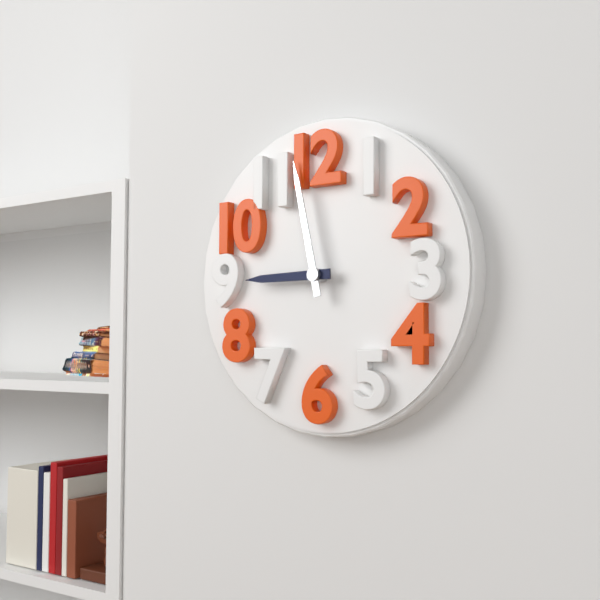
8:58
